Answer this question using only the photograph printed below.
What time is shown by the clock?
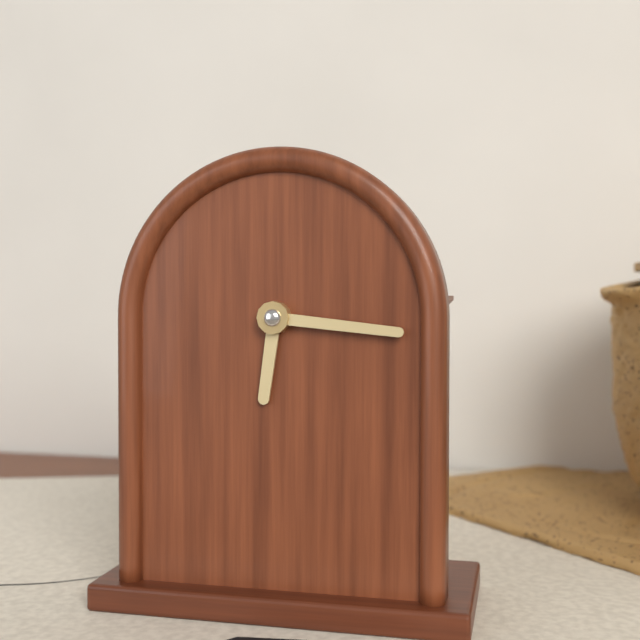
6:16
